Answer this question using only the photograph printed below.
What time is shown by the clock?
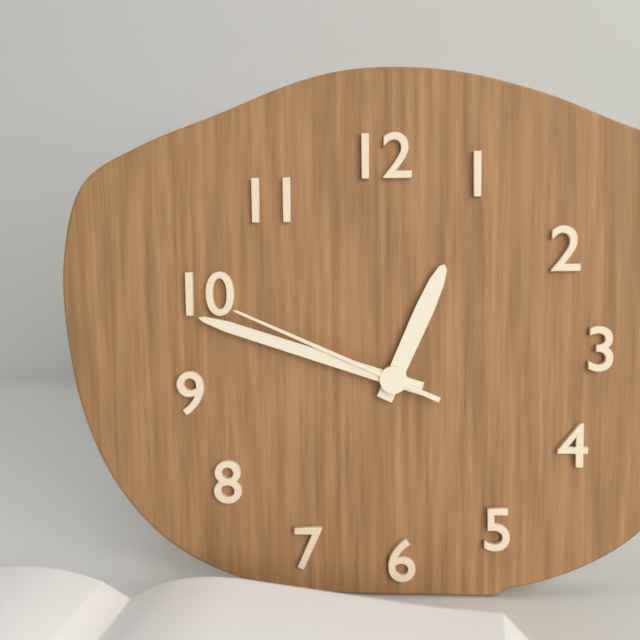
12:48:49
